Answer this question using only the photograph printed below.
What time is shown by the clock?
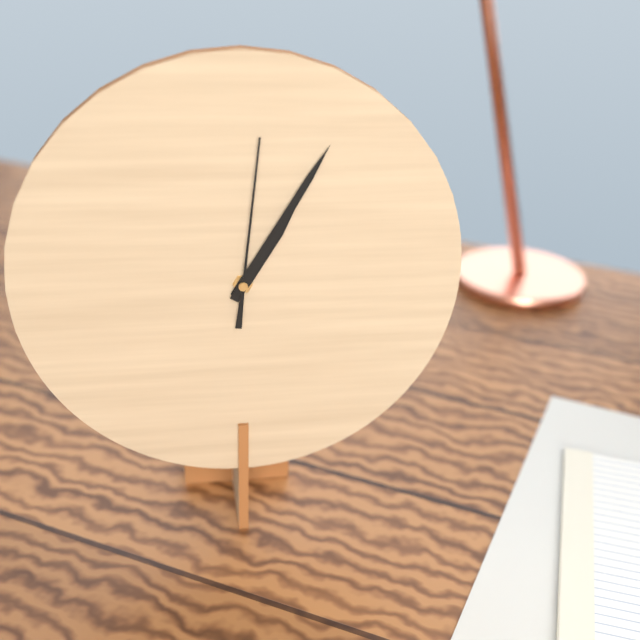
1:05:01
